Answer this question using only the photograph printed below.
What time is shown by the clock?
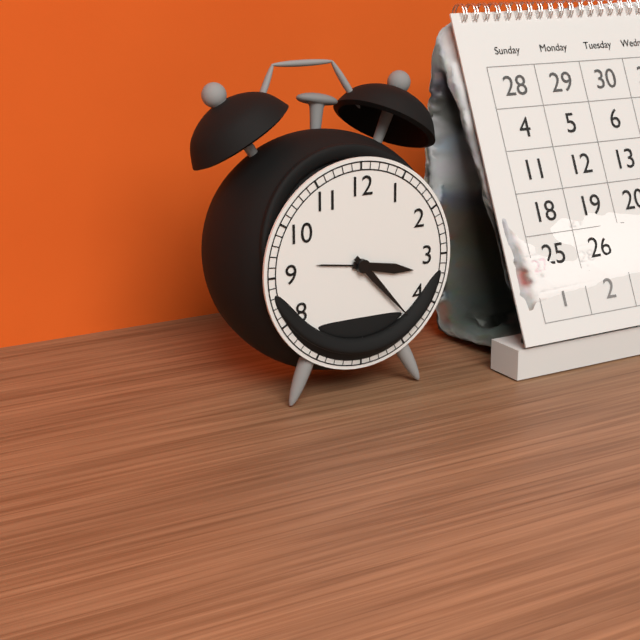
3:23
